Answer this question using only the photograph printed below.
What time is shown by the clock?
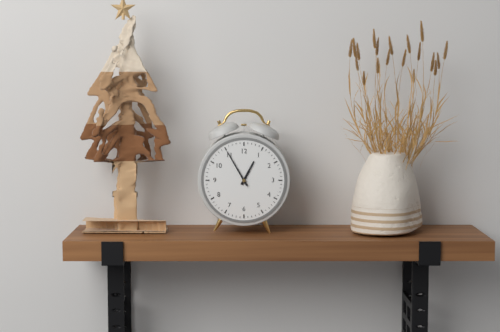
12:55
